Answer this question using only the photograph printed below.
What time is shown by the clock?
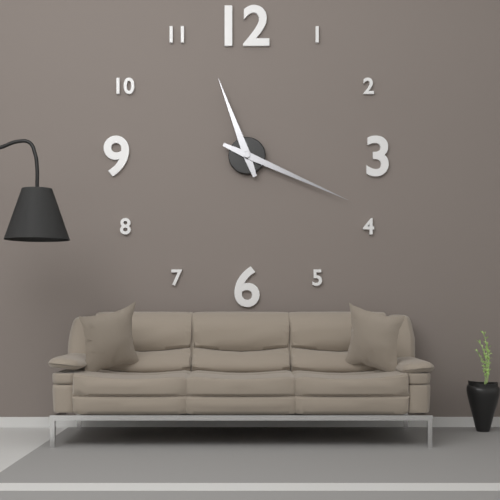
11:19
